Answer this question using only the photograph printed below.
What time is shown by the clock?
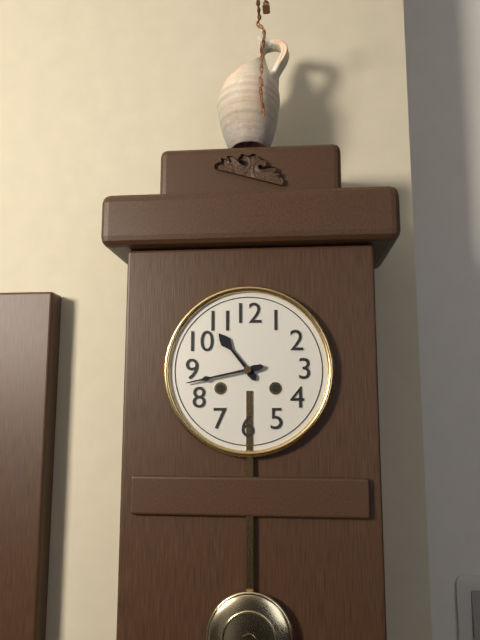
10:43
